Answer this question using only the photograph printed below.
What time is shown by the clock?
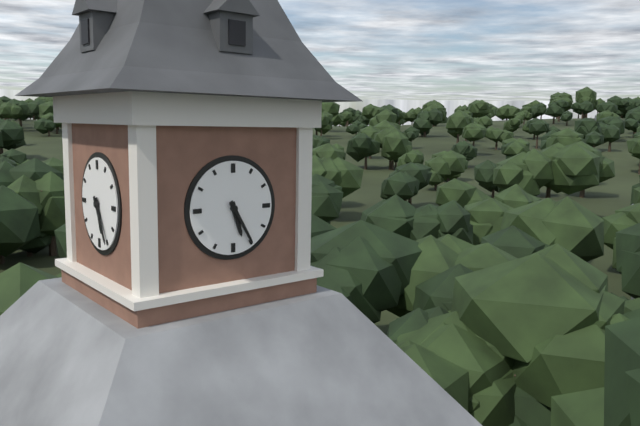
5:25
